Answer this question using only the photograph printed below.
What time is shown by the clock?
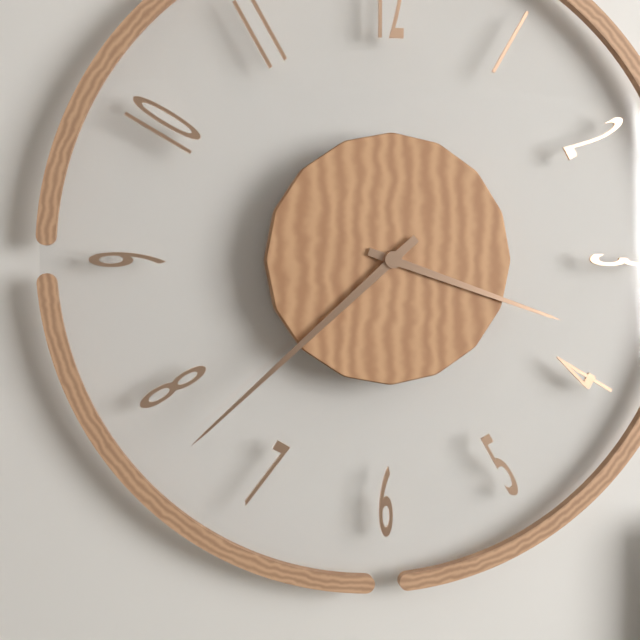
3:38
